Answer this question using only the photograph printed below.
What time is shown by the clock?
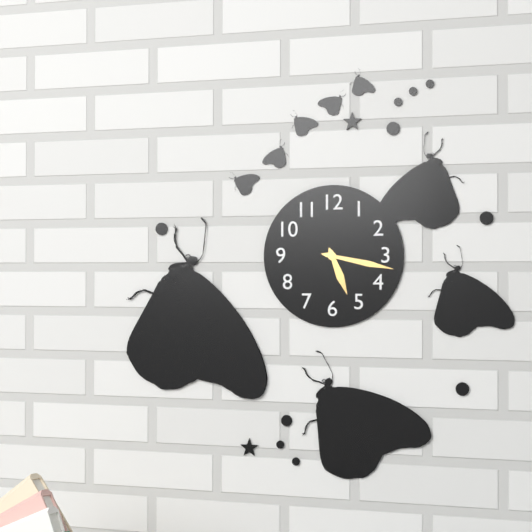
5:17
